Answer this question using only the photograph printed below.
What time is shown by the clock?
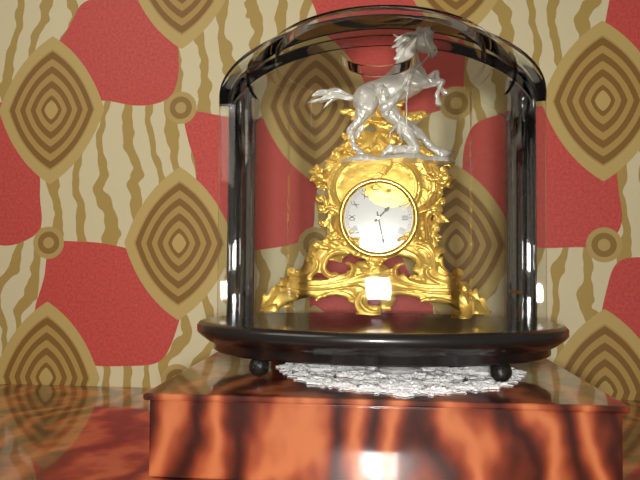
1:28
